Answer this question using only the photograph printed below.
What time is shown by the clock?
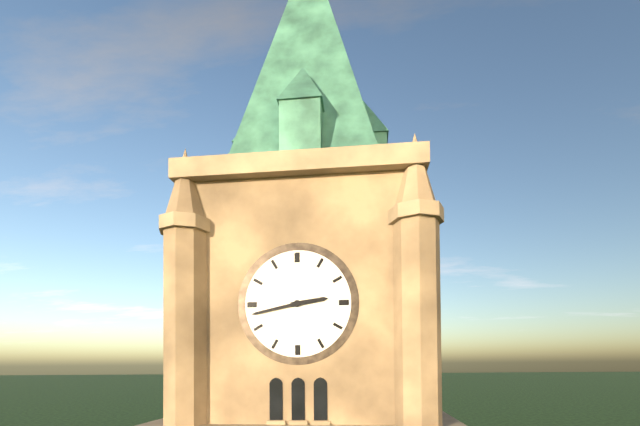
2:43
